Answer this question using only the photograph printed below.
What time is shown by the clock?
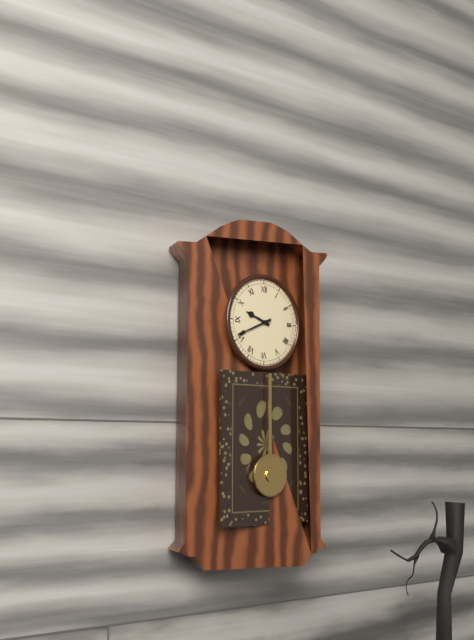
9:41
